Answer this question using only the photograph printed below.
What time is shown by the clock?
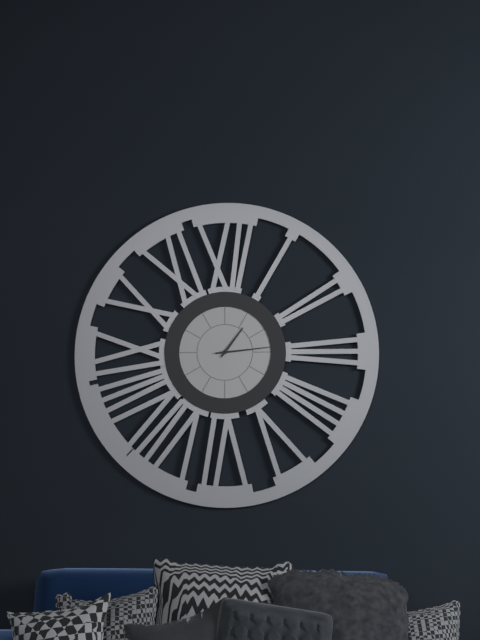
1:14
